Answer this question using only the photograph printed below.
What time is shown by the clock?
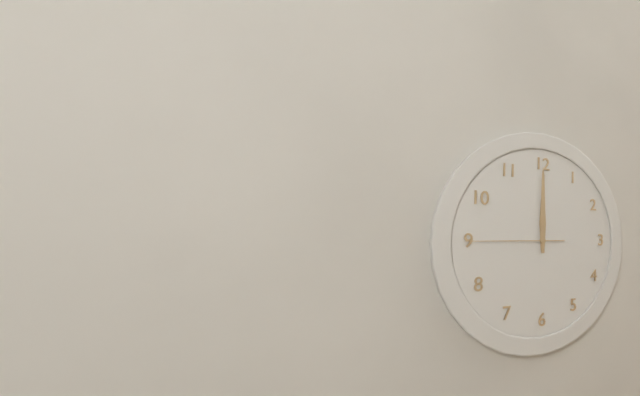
12:00:45
